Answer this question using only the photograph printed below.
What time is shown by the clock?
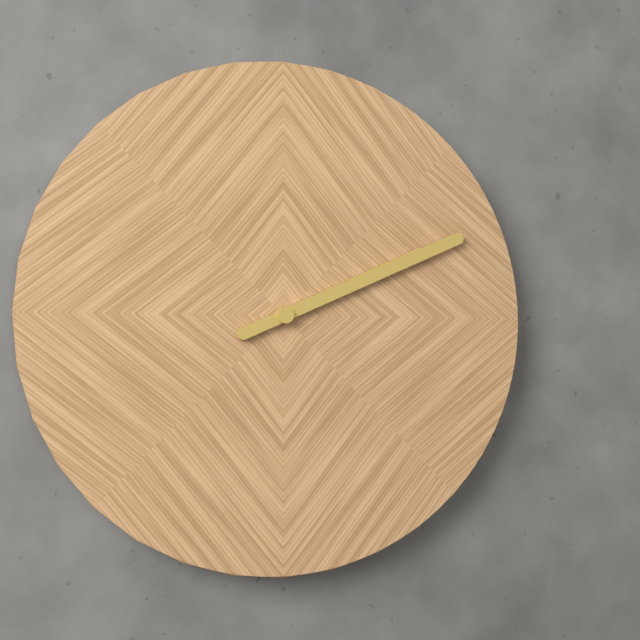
2:11
